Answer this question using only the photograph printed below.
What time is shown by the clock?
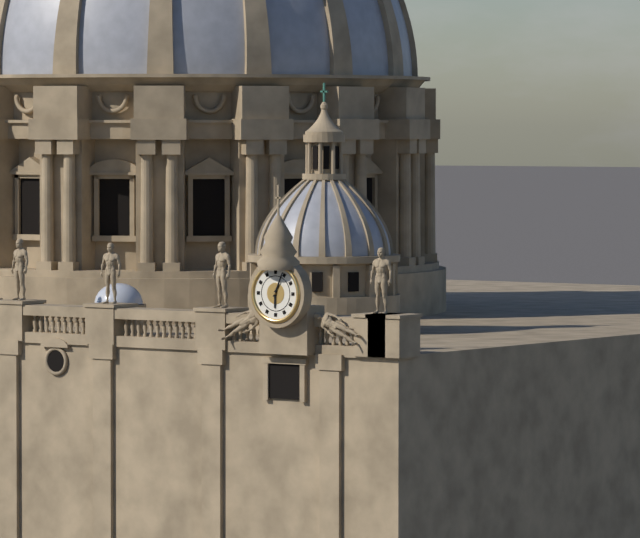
6:04
